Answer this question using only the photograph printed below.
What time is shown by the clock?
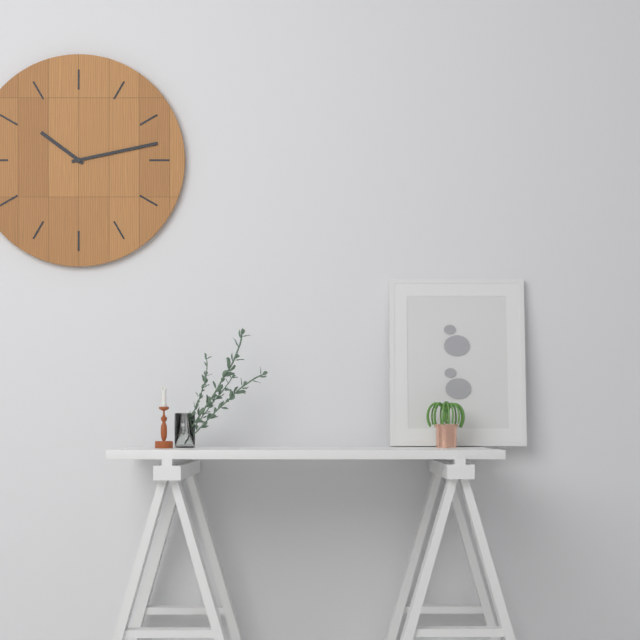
10:13
